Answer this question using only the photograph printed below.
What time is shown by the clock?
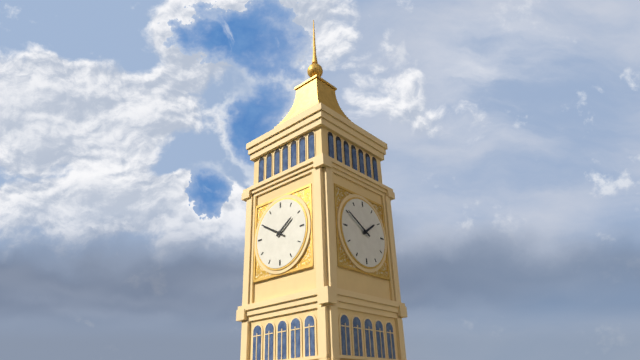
1:50
